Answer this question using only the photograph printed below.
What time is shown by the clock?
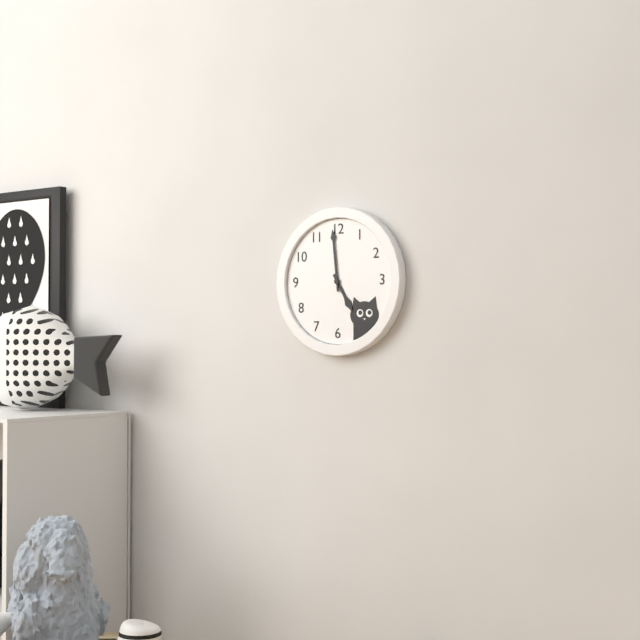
4:59
